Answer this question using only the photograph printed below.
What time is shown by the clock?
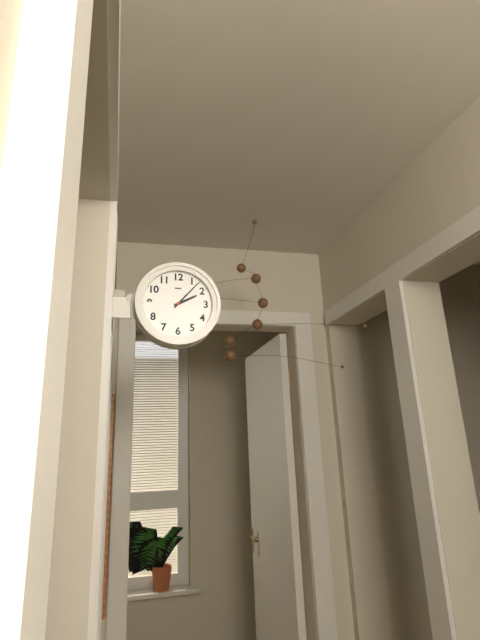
2:07
